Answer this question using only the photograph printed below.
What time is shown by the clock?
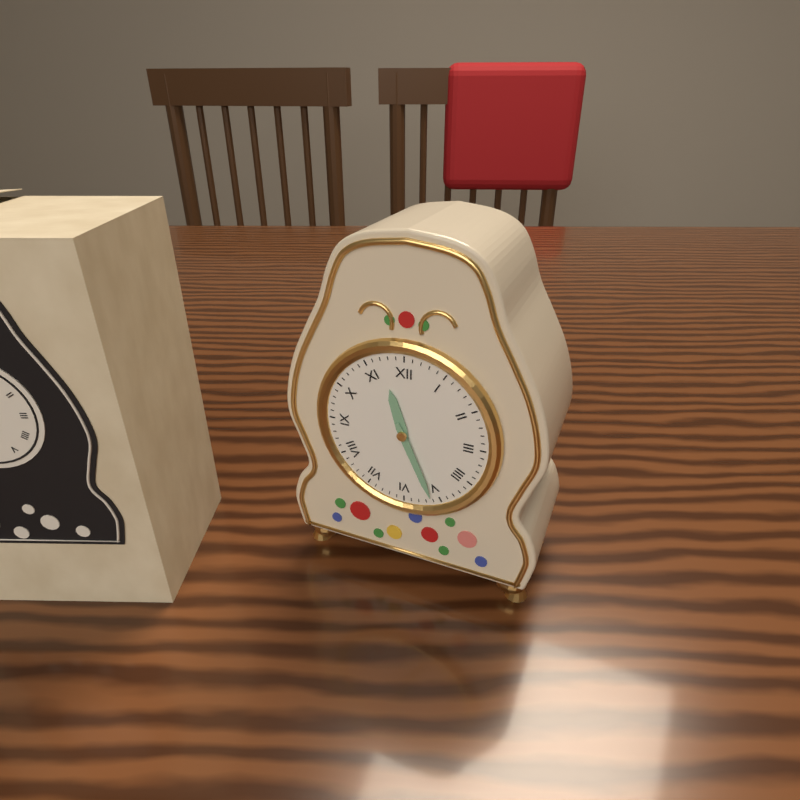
11:26
